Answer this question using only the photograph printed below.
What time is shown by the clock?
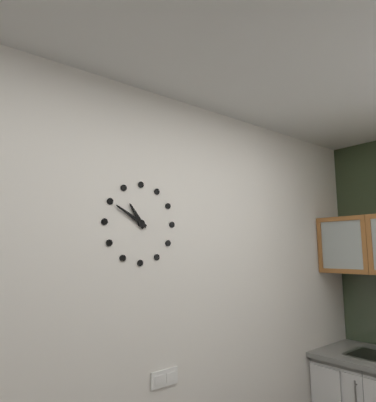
10:50
